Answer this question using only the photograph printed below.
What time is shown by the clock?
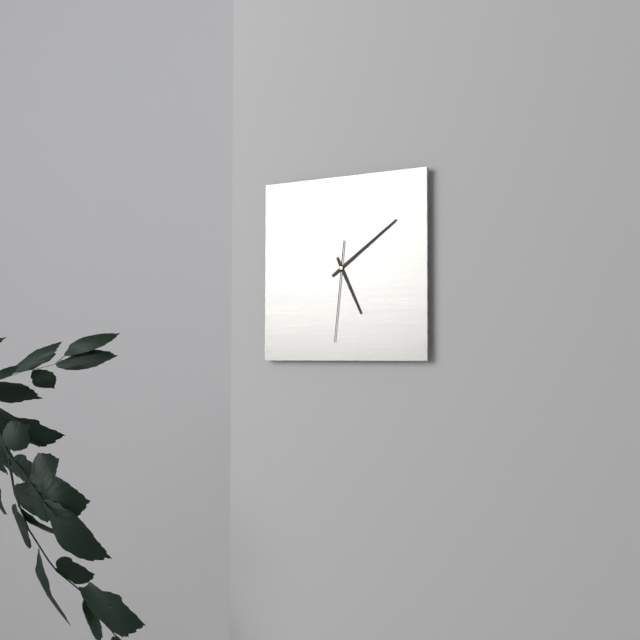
5:09:31
